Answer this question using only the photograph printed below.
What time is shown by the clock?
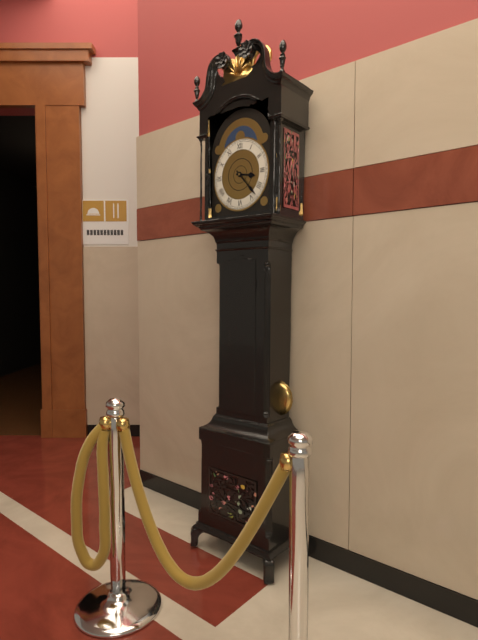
3:23
